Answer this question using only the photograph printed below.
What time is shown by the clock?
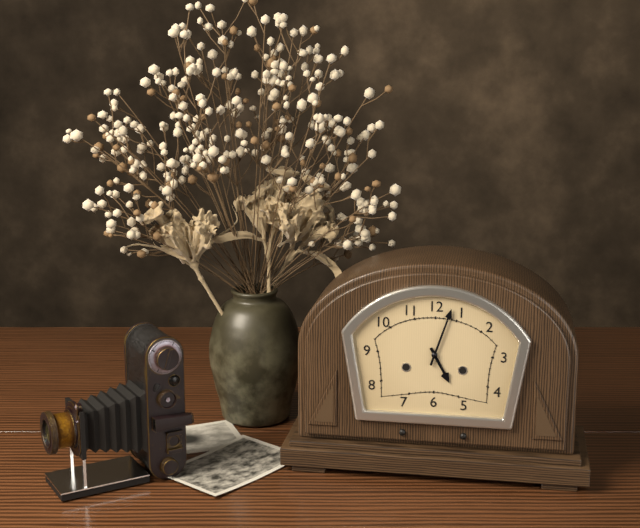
5:03
